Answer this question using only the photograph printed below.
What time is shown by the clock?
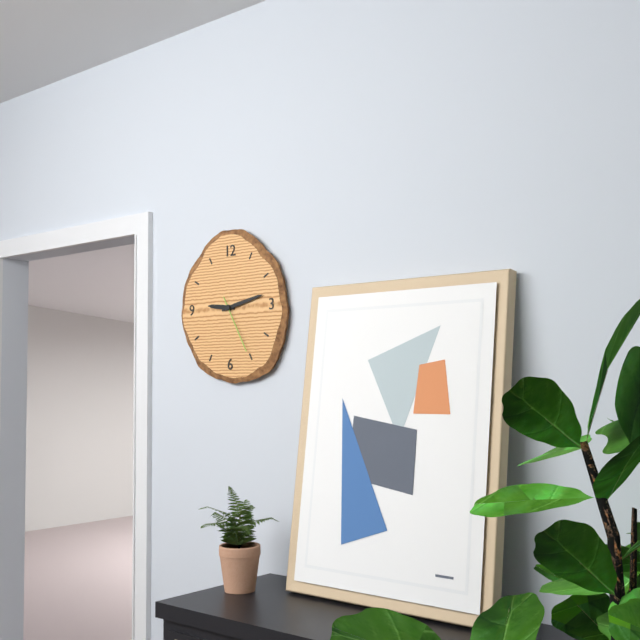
9:13:25
